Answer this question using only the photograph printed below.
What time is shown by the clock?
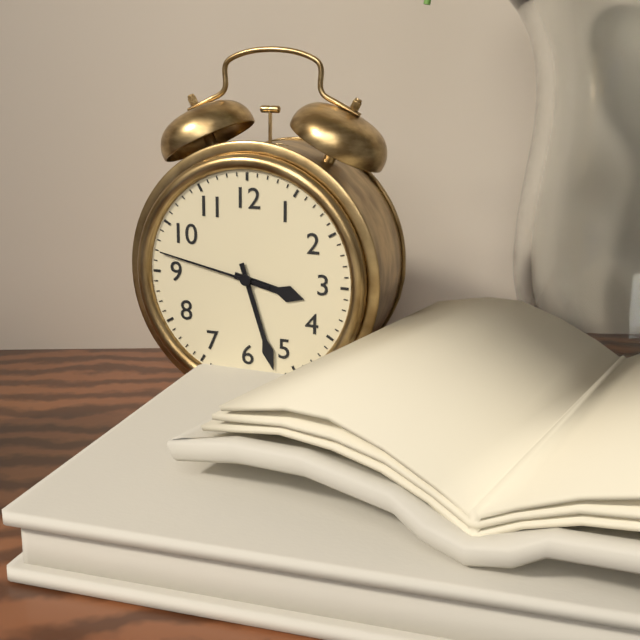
3:27:47
